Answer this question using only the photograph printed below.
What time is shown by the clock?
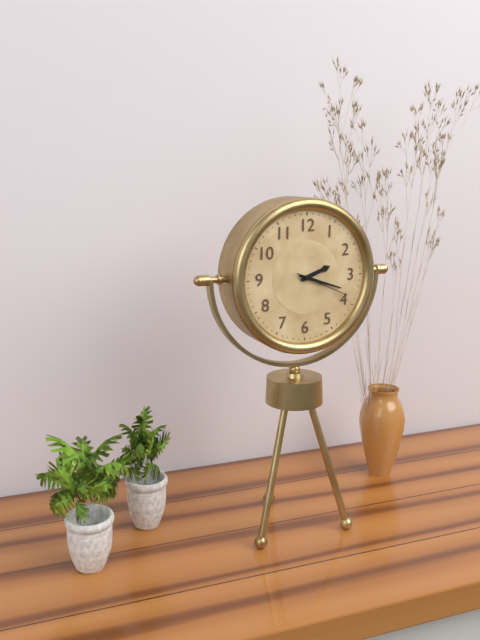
2:18:19
